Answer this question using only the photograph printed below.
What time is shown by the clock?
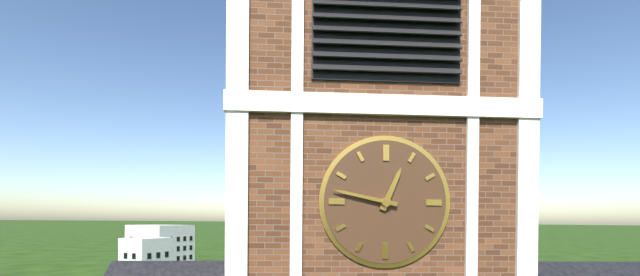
12:47
